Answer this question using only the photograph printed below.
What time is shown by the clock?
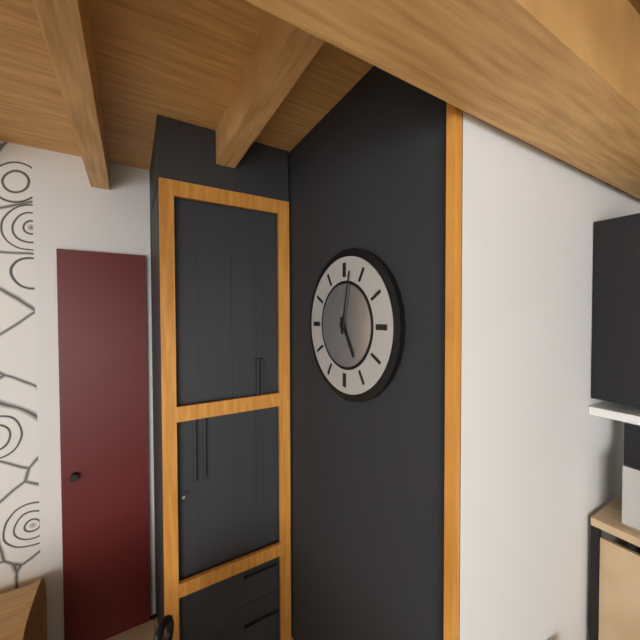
5:02
